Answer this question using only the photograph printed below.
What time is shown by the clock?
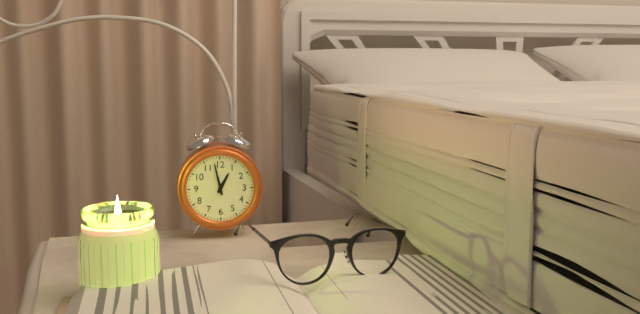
12:58
